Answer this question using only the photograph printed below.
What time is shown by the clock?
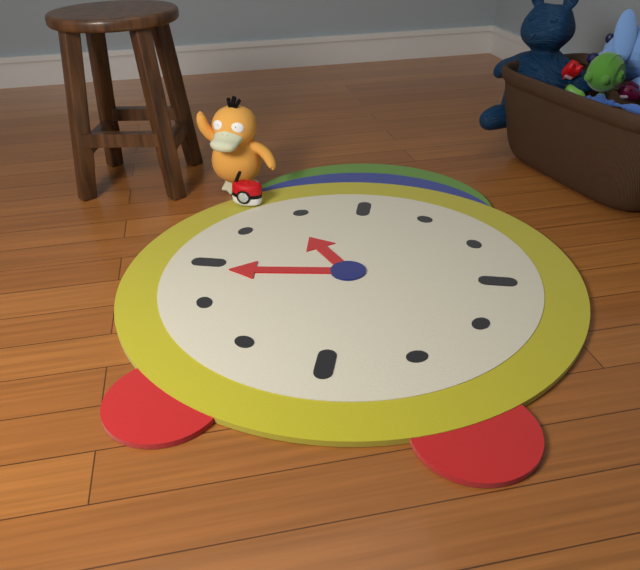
10:44
